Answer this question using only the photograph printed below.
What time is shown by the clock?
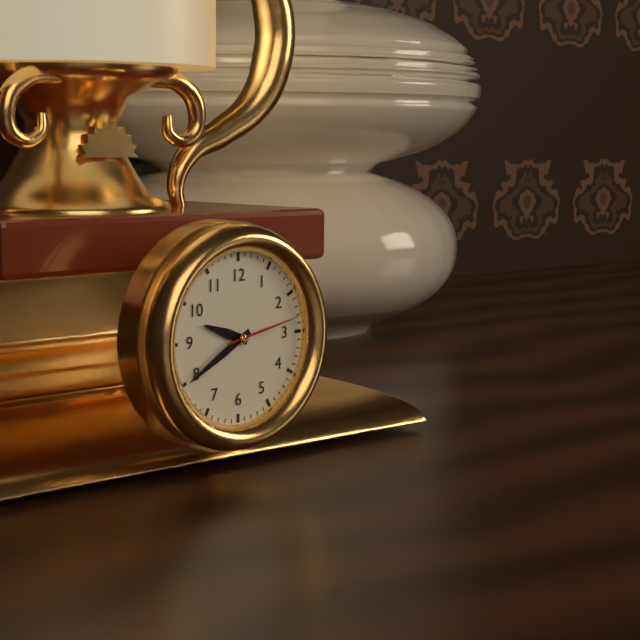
9:40:13
